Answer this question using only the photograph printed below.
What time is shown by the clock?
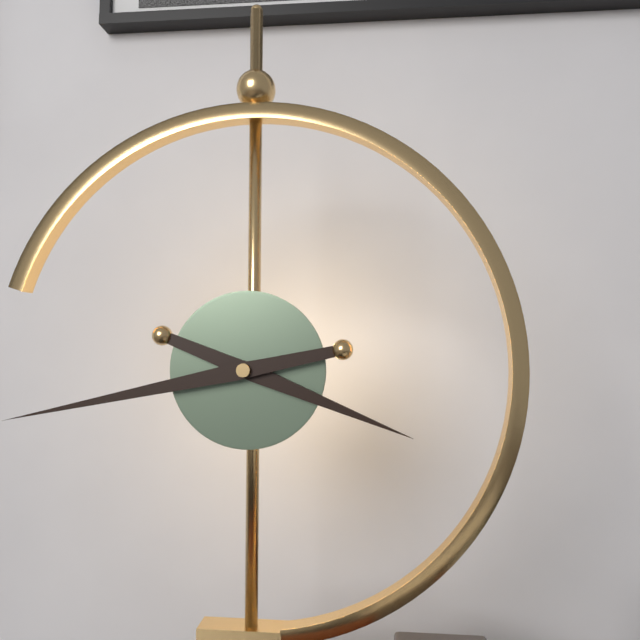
3:43
